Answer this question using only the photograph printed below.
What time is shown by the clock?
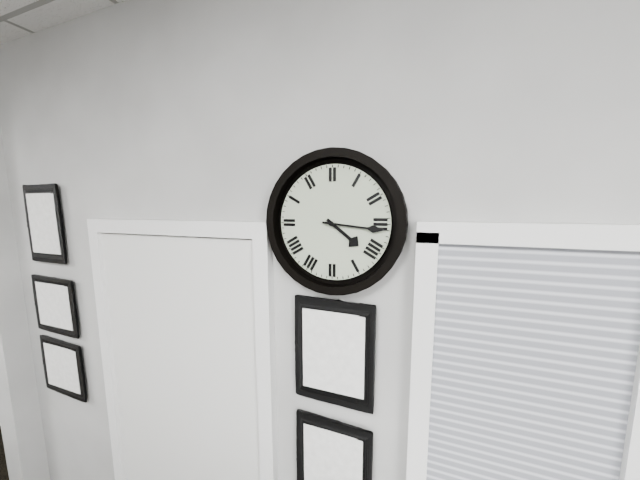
4:16
